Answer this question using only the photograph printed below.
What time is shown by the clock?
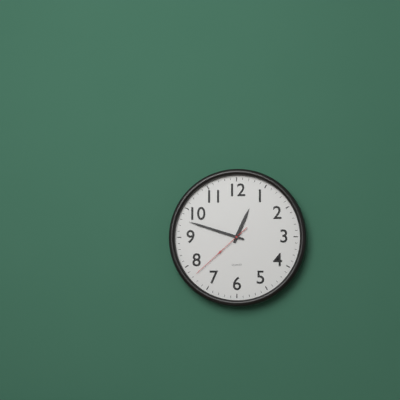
12:48:38
